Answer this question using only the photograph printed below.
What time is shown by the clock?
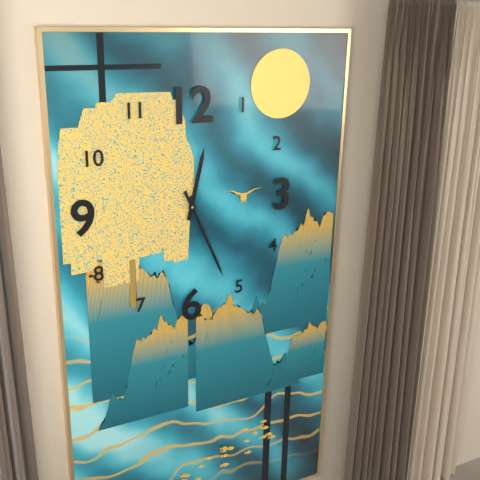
12:26
